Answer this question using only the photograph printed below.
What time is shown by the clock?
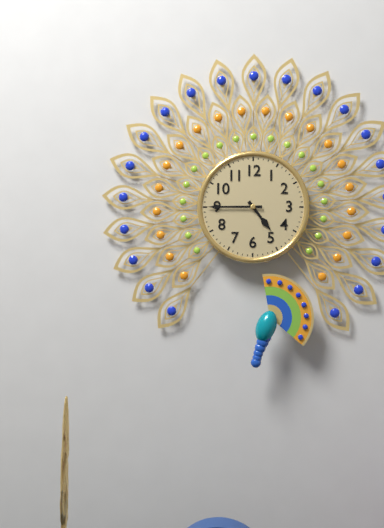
4:45
